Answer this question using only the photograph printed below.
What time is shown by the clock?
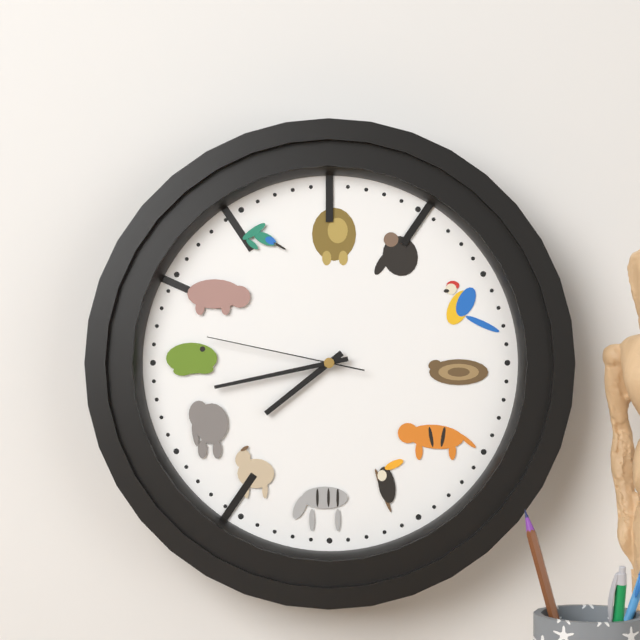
7:43:47
